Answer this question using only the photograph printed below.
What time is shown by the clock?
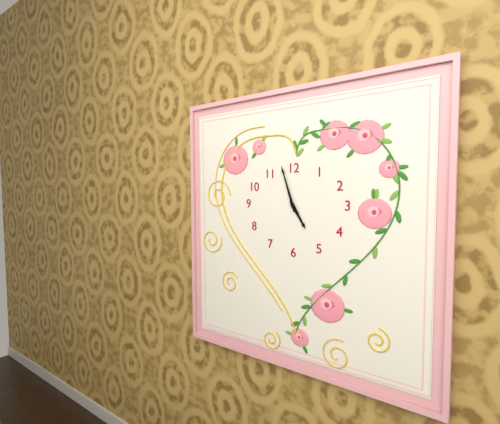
4:57
